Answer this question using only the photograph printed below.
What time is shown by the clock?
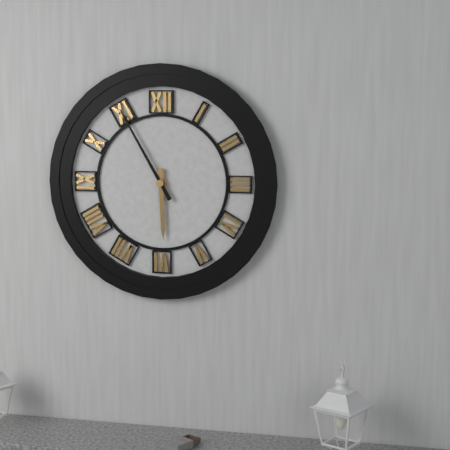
5:55
